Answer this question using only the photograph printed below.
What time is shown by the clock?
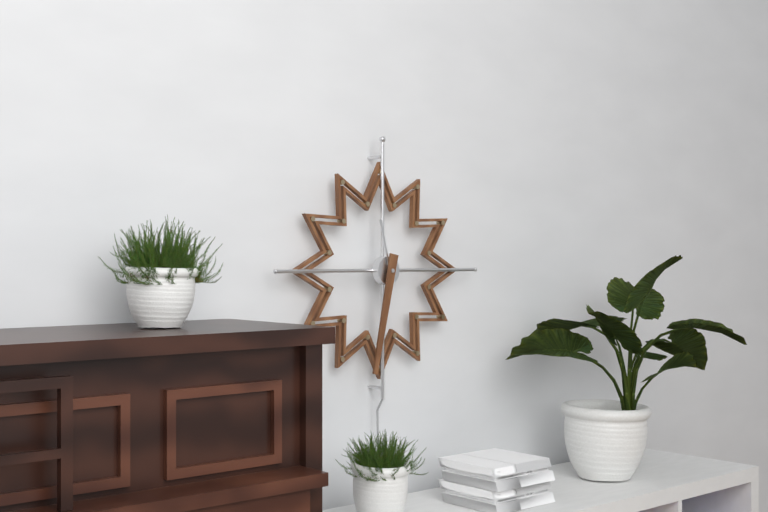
11:32
